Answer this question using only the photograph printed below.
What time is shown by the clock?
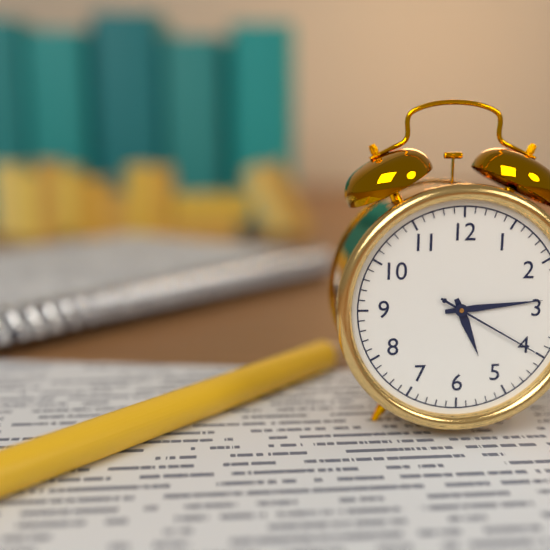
5:14:20
